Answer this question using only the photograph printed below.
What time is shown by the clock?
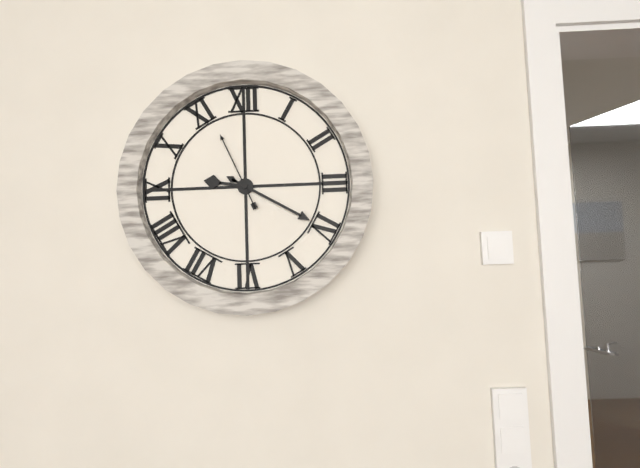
9:20:56
